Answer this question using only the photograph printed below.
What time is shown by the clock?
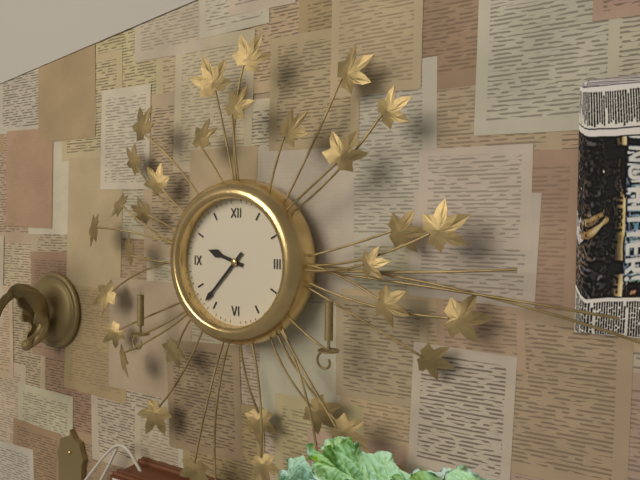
9:37
